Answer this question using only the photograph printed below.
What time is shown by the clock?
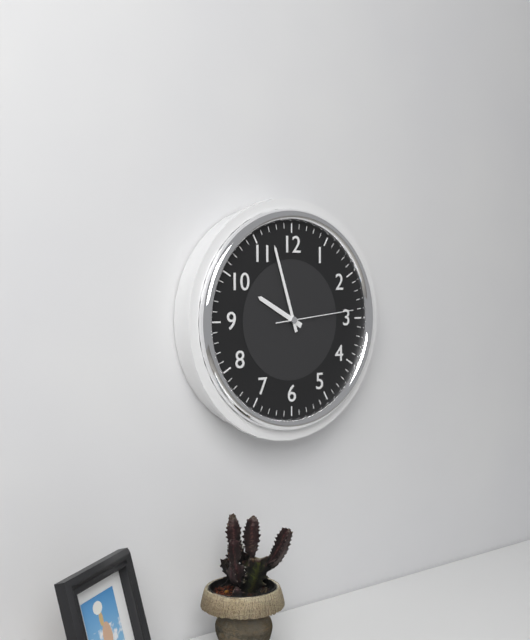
9:57:14
